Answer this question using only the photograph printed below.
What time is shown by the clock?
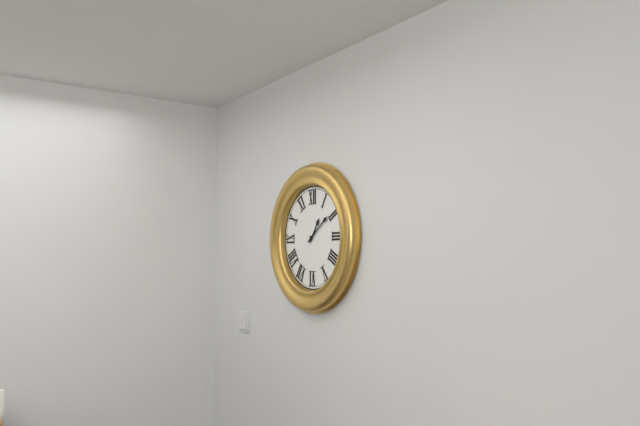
1:09
